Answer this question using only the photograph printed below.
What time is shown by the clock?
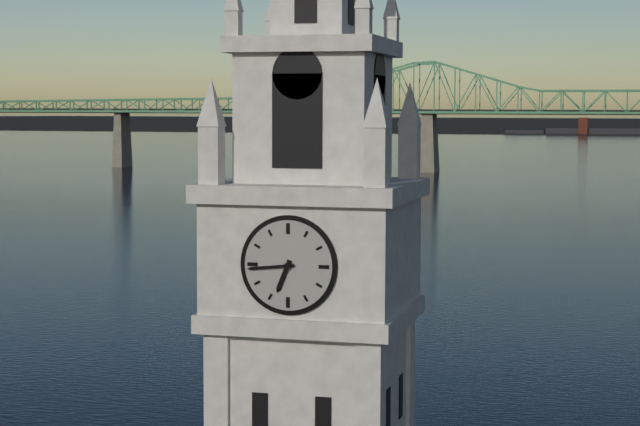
6:44
